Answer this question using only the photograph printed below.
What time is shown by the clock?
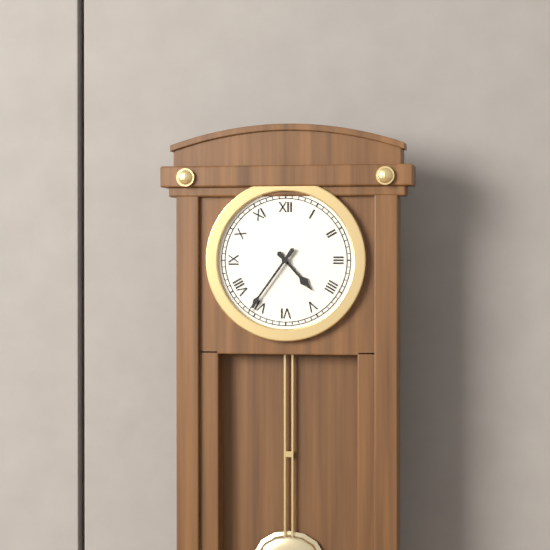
4:36
